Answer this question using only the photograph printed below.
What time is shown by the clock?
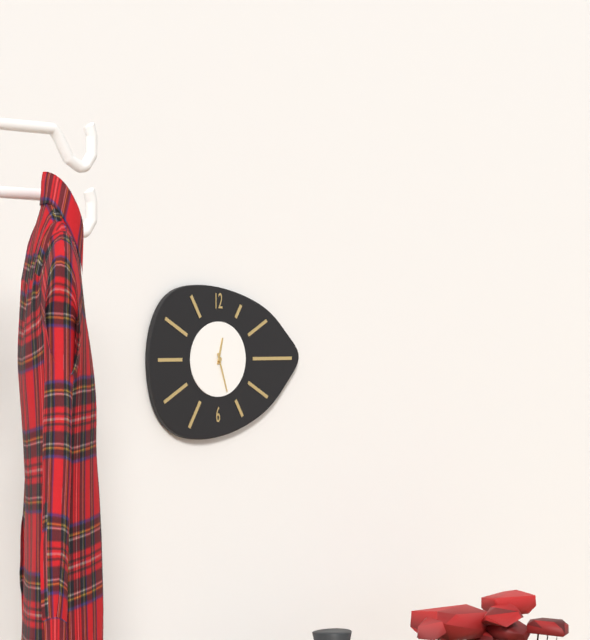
12:27
